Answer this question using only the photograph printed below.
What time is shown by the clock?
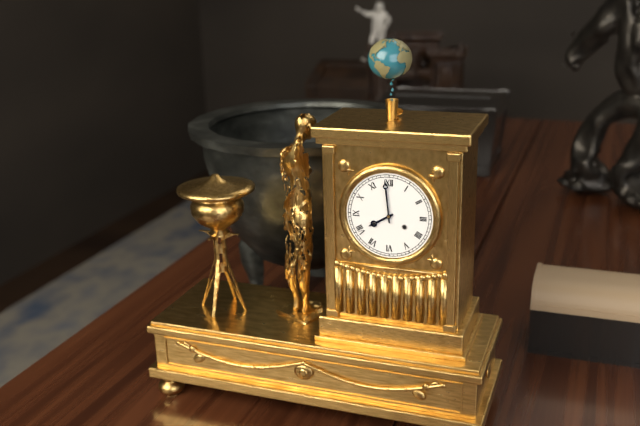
7:59
